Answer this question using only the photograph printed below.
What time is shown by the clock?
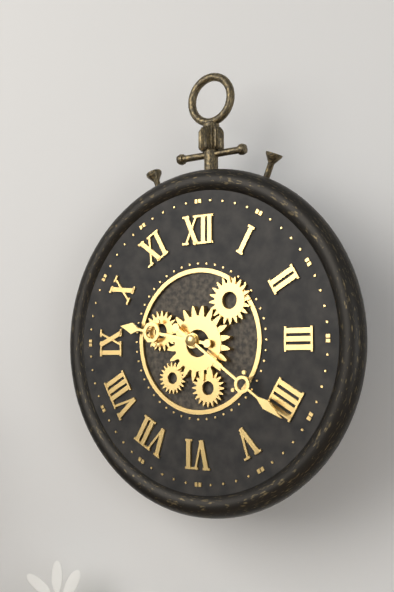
9:21
